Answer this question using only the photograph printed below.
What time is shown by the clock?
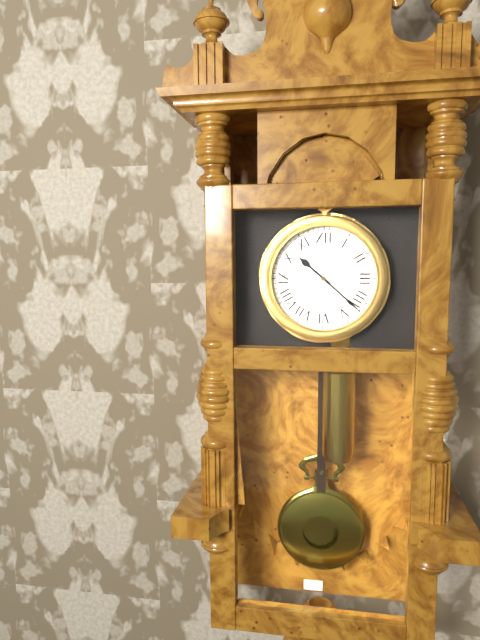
10:22
